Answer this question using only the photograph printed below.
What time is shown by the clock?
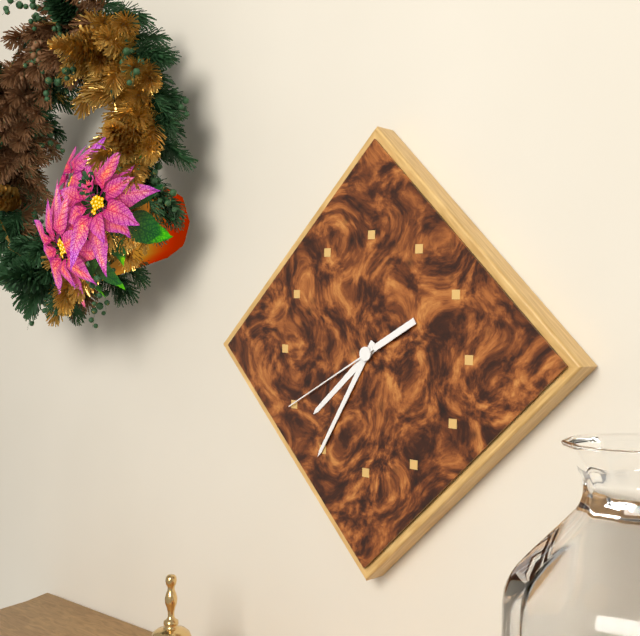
7:35:40
